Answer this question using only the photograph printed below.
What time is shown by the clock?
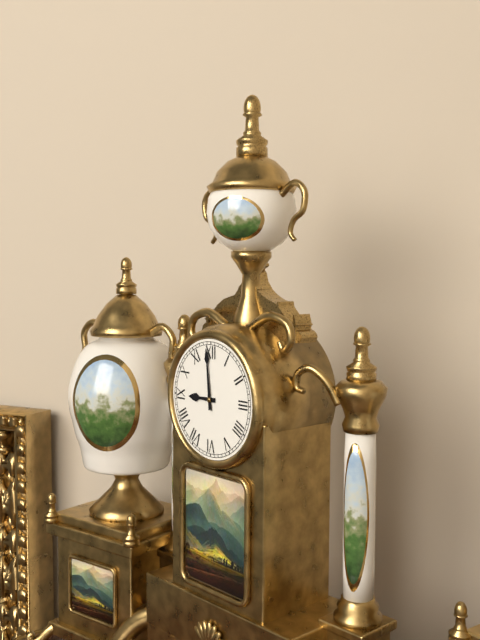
8:59
